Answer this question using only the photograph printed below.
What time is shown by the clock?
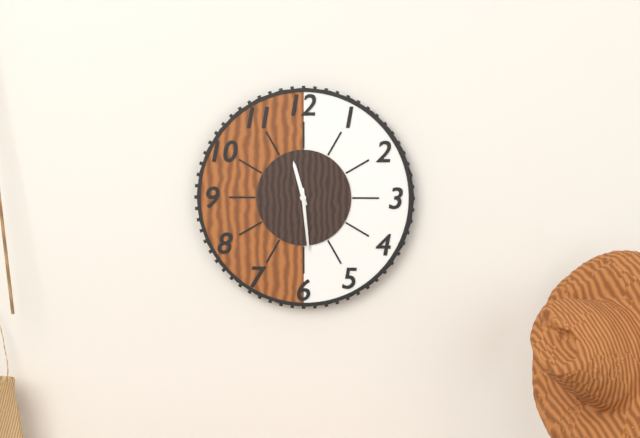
11:29
